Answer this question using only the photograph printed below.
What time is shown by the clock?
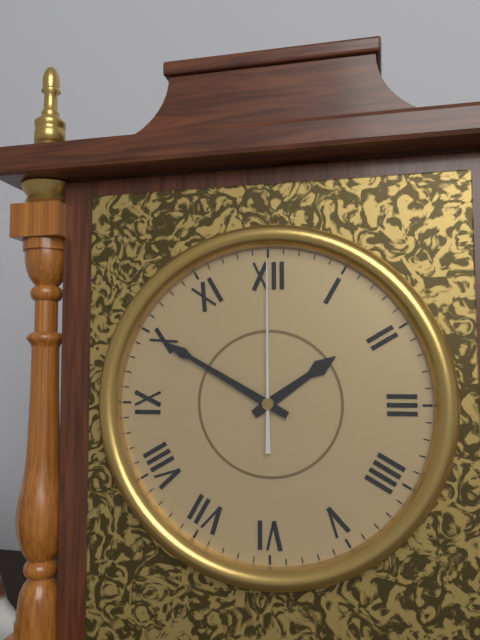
1:50:00
